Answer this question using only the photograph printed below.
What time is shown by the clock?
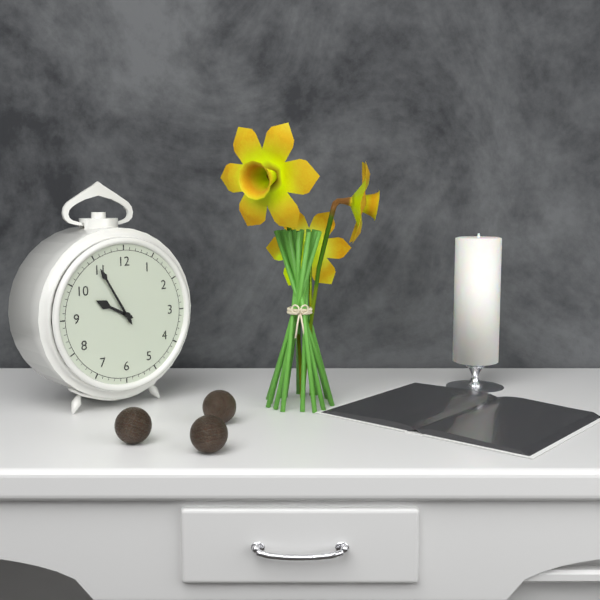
9:55
